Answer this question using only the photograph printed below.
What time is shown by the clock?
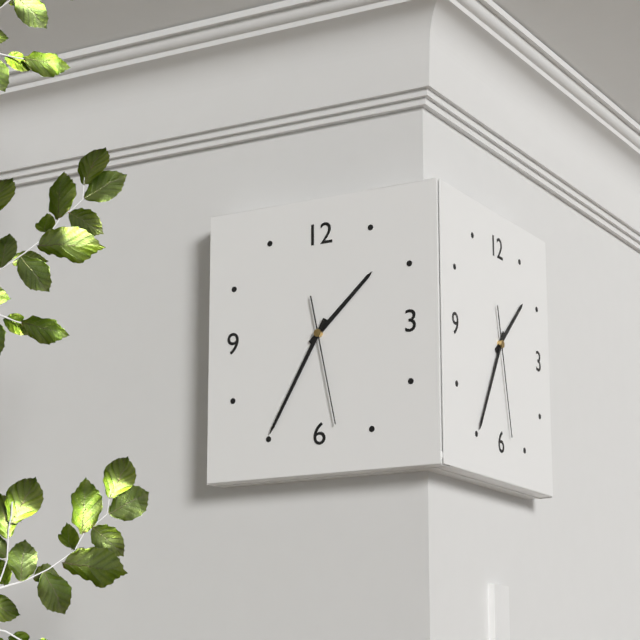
1:35:28
